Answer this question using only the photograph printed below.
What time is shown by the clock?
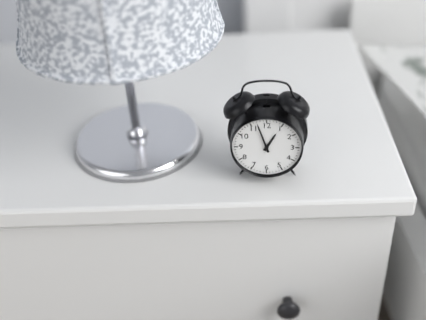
12:57
